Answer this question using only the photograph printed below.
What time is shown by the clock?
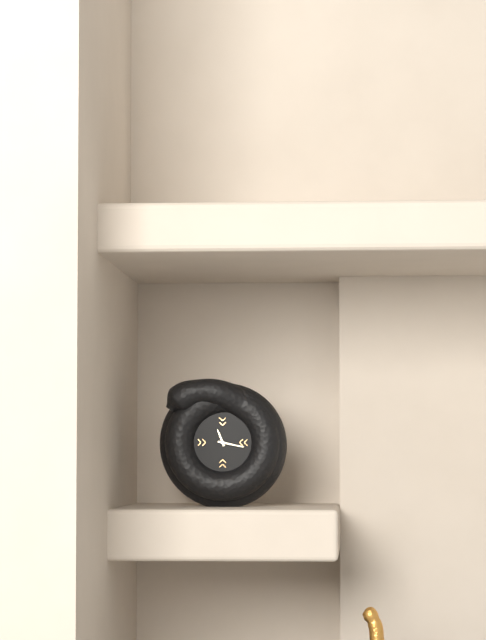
11:17
